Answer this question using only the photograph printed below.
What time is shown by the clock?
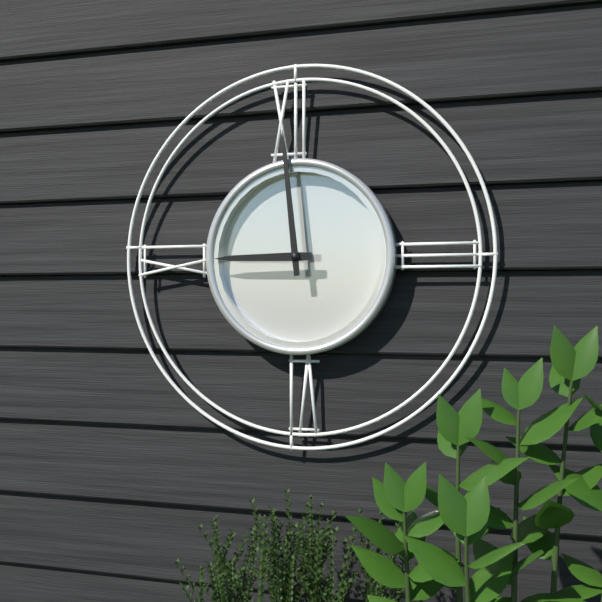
8:59
